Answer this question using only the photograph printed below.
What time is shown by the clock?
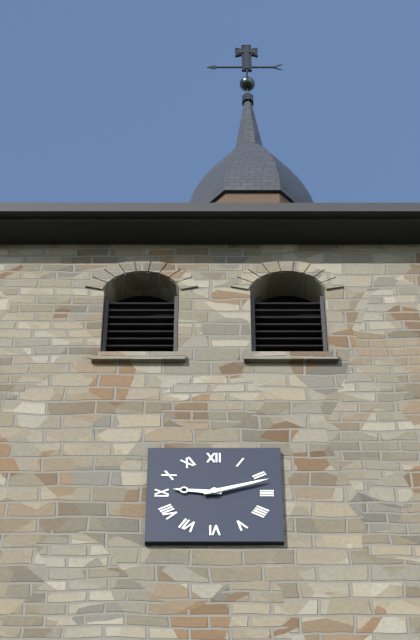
9:12
